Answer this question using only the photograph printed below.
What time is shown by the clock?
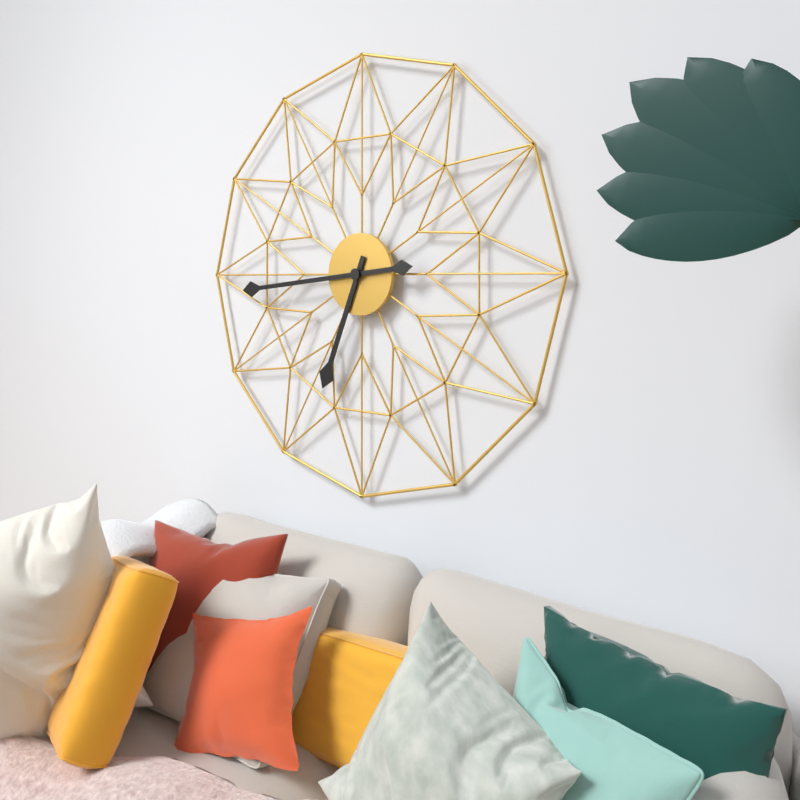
6:44
